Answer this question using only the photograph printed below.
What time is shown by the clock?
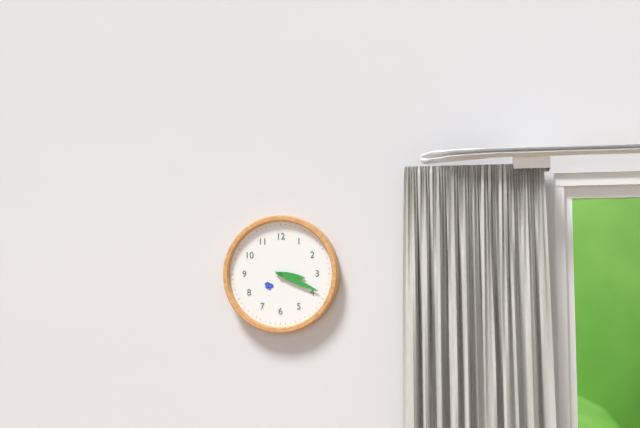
3:19
